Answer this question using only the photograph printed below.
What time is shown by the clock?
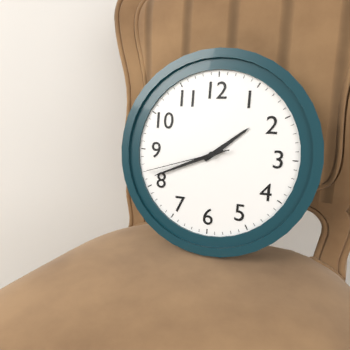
1:41:42
